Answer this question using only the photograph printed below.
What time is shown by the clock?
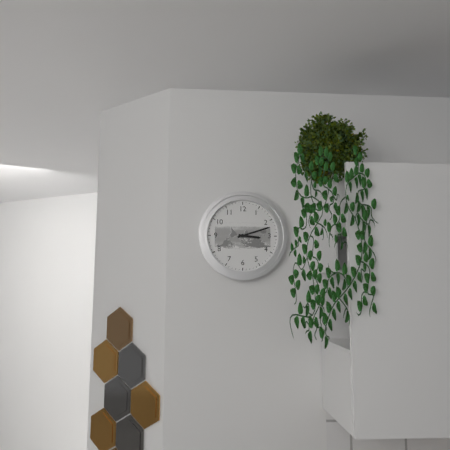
3:12
